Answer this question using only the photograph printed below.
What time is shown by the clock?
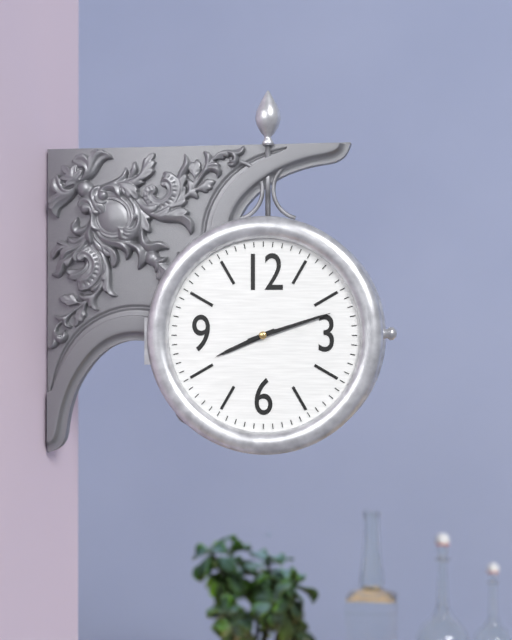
8:12
